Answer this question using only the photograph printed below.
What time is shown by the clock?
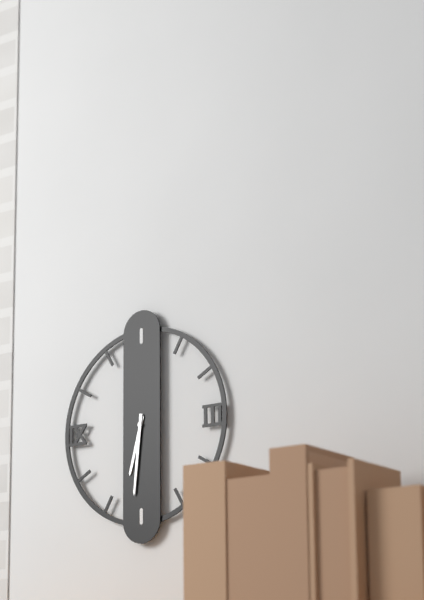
6:31
